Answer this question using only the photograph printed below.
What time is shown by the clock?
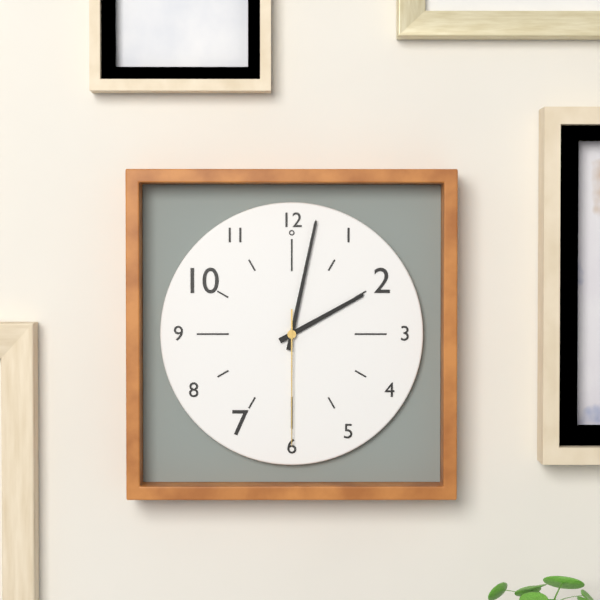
2:02:30
